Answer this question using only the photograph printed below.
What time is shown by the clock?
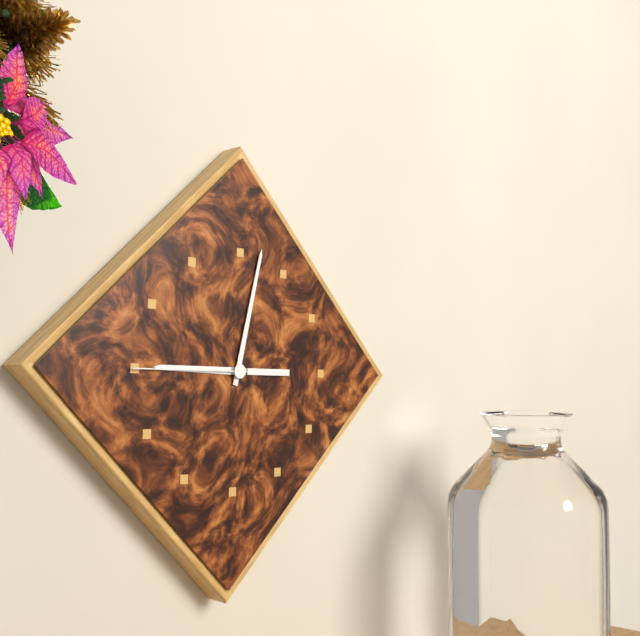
9:02:45
